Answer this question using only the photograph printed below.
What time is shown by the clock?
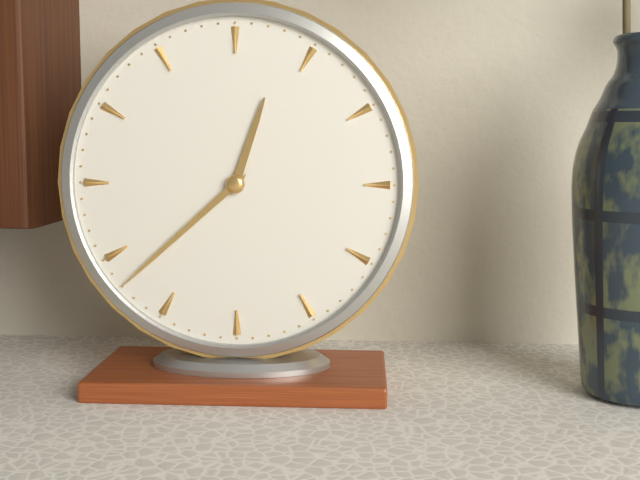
12:38
